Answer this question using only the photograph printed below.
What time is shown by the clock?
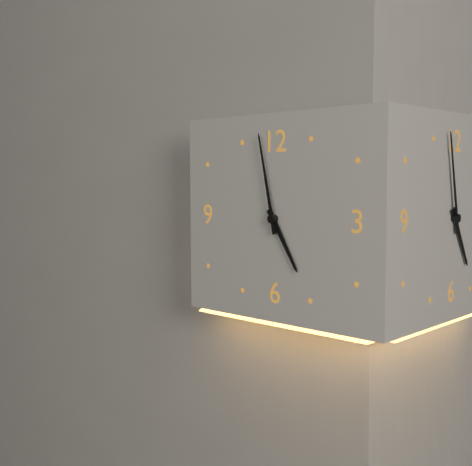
4:58
